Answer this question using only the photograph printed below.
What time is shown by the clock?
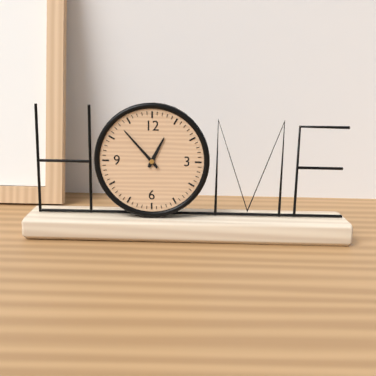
12:53
